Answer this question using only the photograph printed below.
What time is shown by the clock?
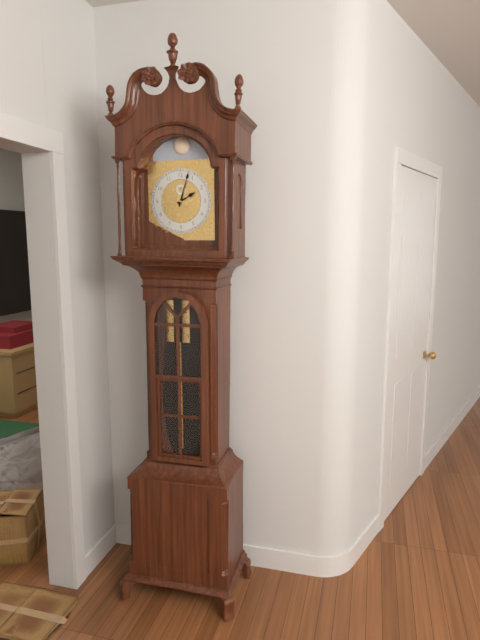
2:03
